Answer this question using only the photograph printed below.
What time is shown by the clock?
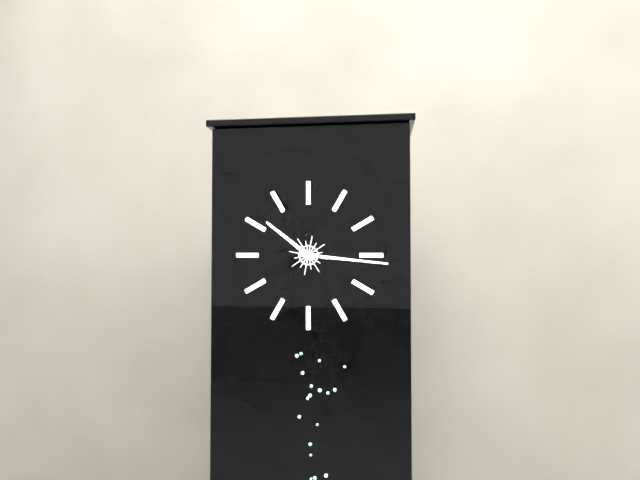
10:16
